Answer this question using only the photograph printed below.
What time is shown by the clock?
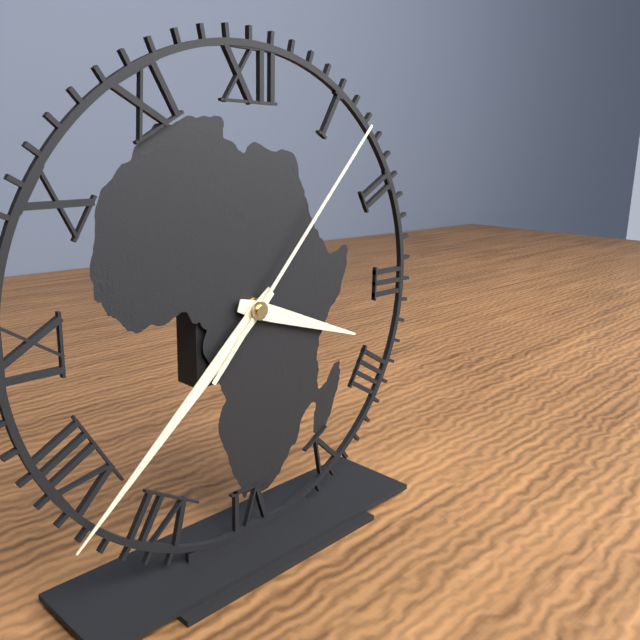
3:38:07
